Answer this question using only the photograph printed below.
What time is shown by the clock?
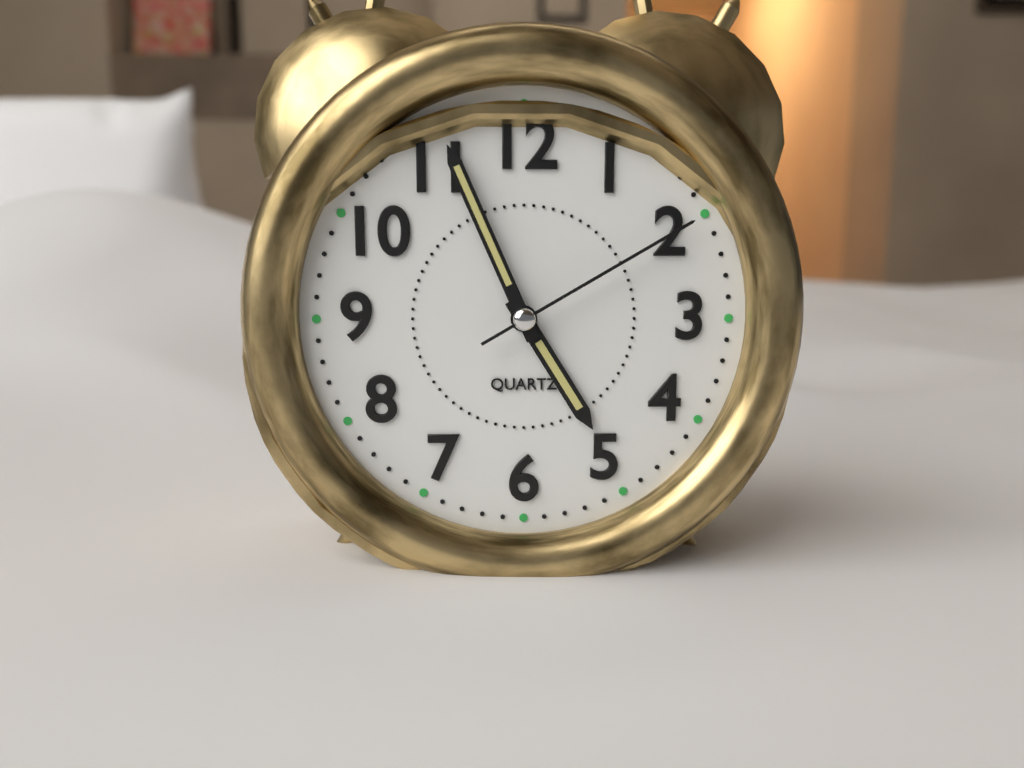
4:56:10
